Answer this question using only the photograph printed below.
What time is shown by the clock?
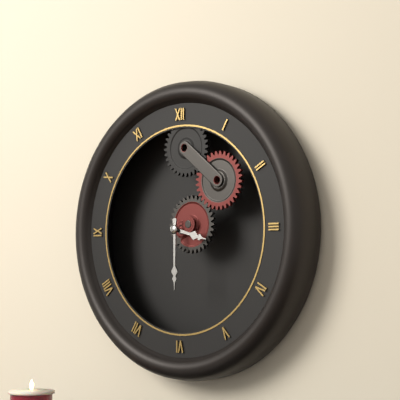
3:30
